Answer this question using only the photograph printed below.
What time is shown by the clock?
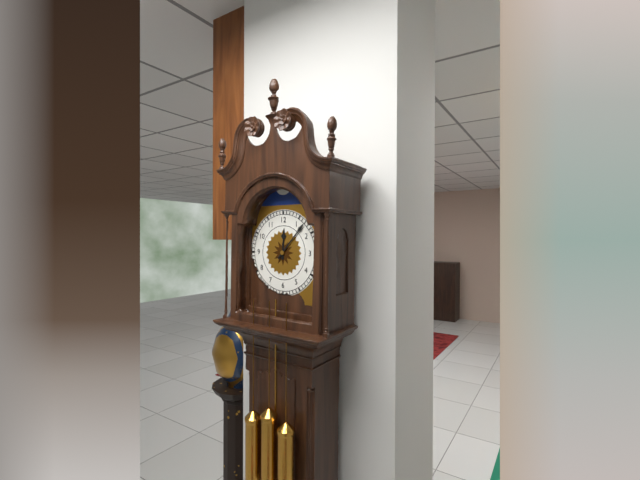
12:07
